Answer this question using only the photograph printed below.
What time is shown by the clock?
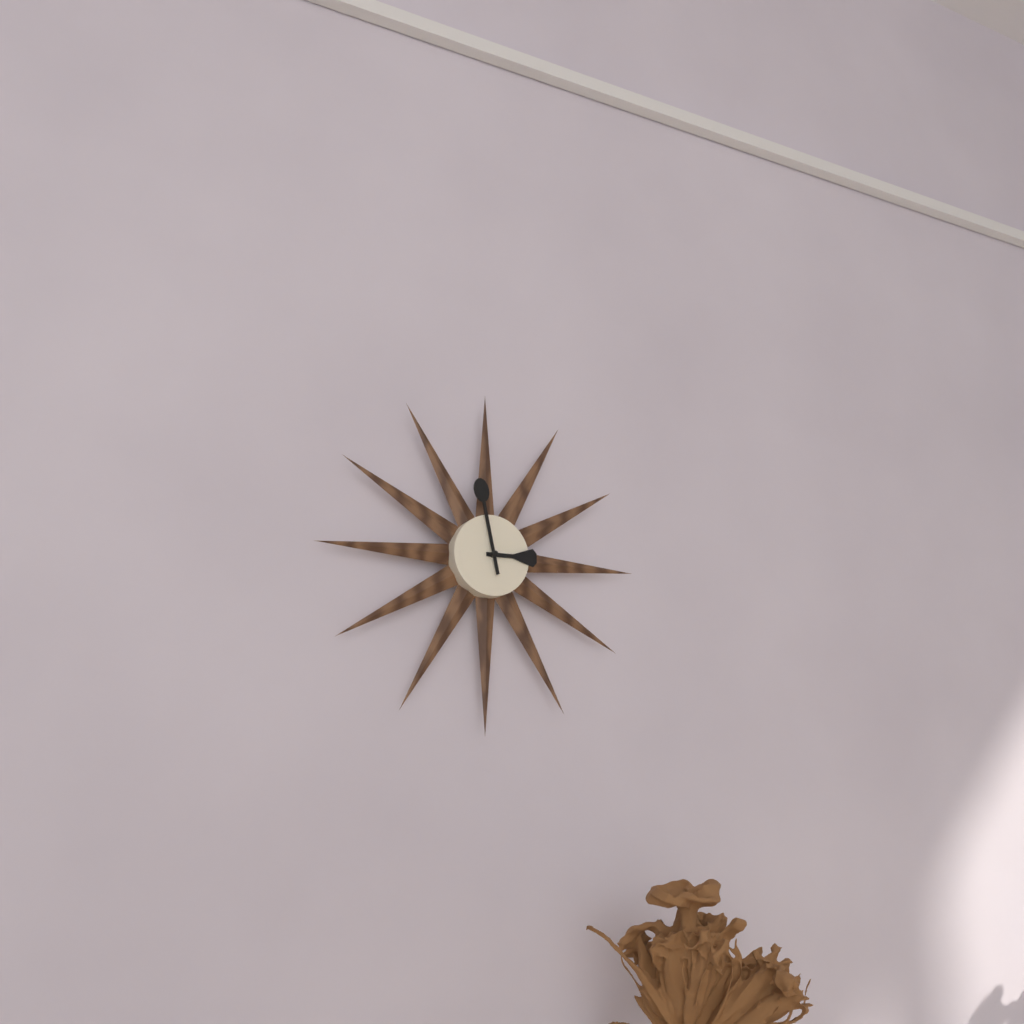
2:58
